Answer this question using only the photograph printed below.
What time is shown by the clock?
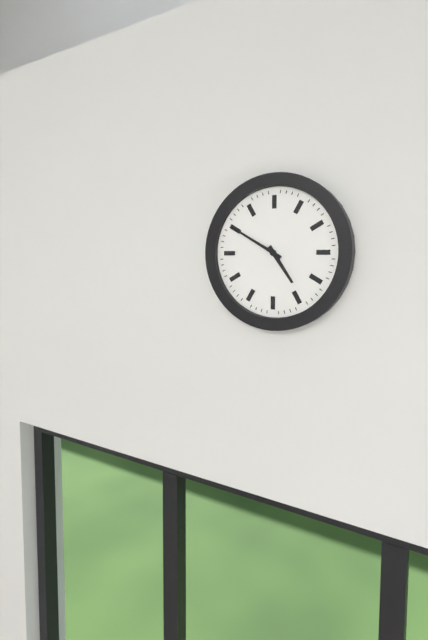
4:50
